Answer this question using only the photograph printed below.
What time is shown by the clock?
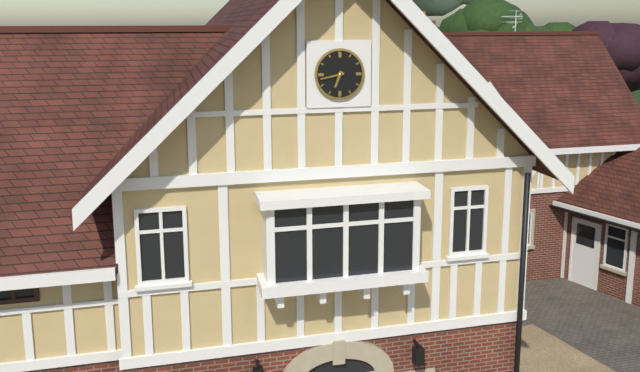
6:43
